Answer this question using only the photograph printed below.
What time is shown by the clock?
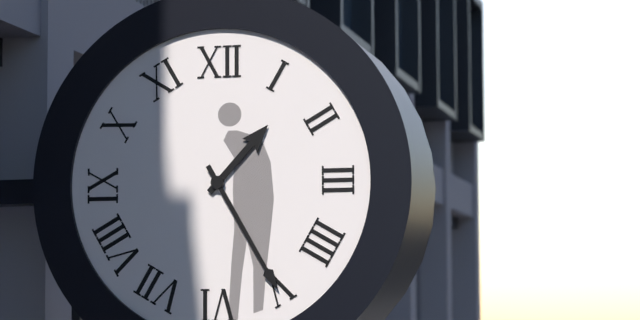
1:25
